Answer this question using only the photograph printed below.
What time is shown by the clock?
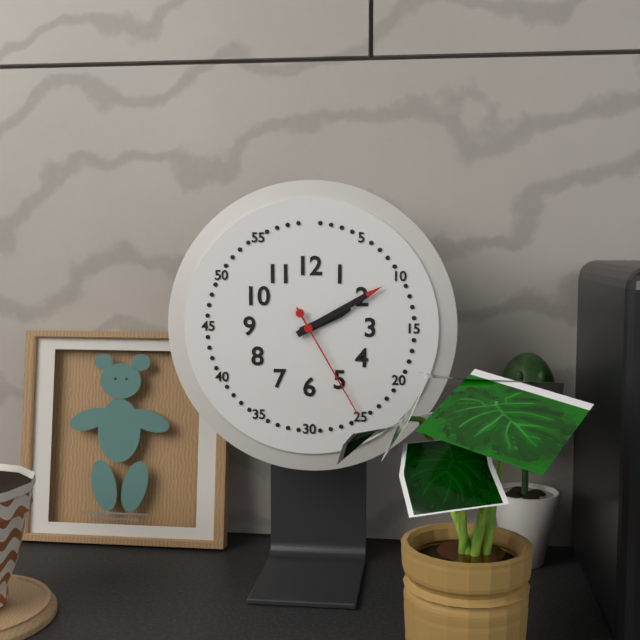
2:10:25
